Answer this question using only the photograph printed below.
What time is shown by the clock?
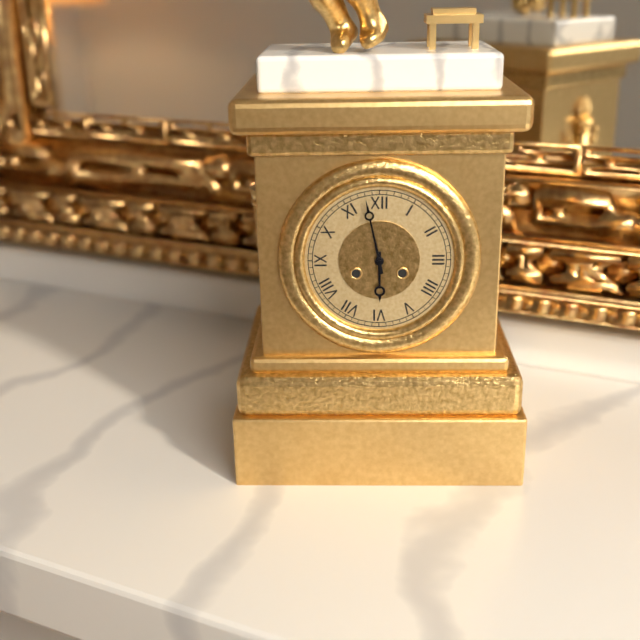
5:58
